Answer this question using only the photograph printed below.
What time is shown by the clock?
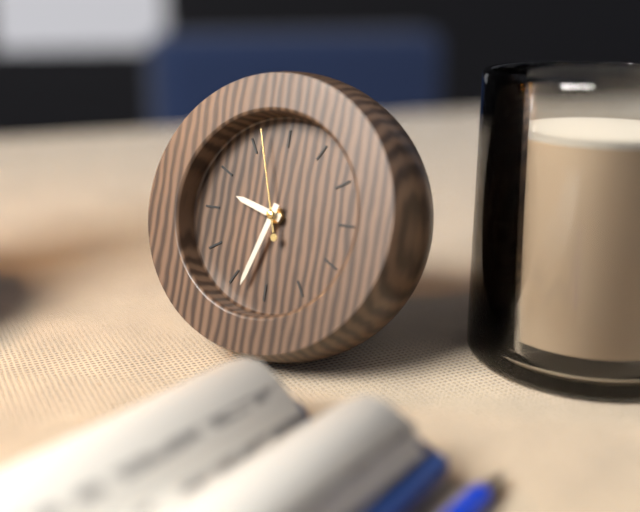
9:33:57
